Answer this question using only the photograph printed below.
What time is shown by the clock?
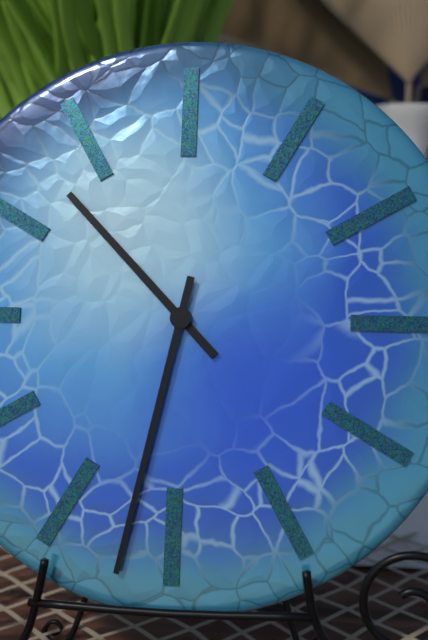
10:32
